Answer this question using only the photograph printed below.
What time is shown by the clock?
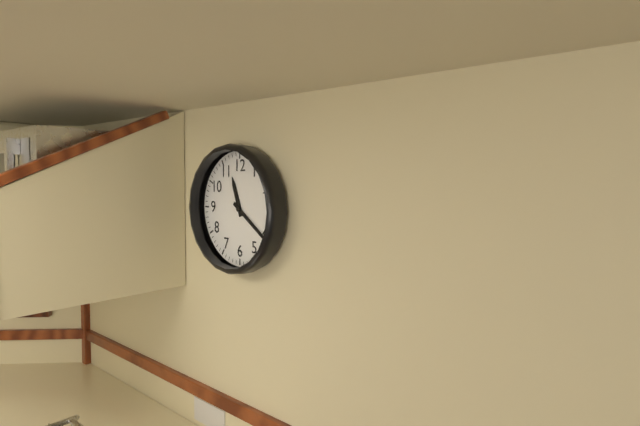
11:21
